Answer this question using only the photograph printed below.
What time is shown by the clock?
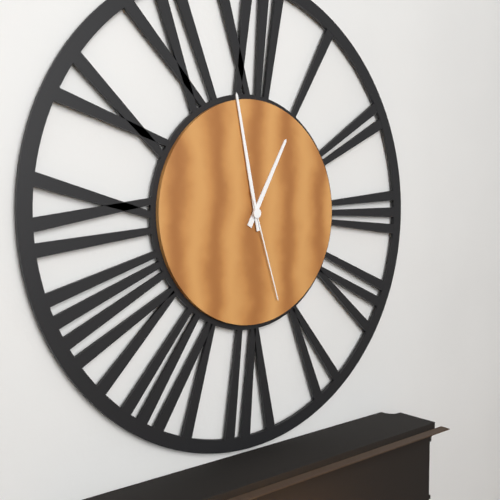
12:58:27
